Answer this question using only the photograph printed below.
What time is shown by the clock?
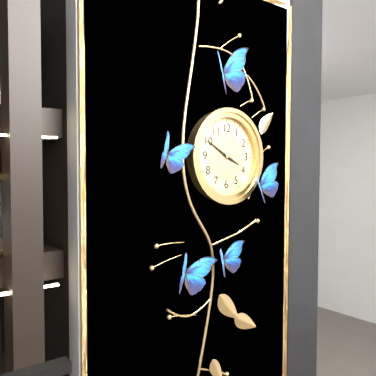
3:50
